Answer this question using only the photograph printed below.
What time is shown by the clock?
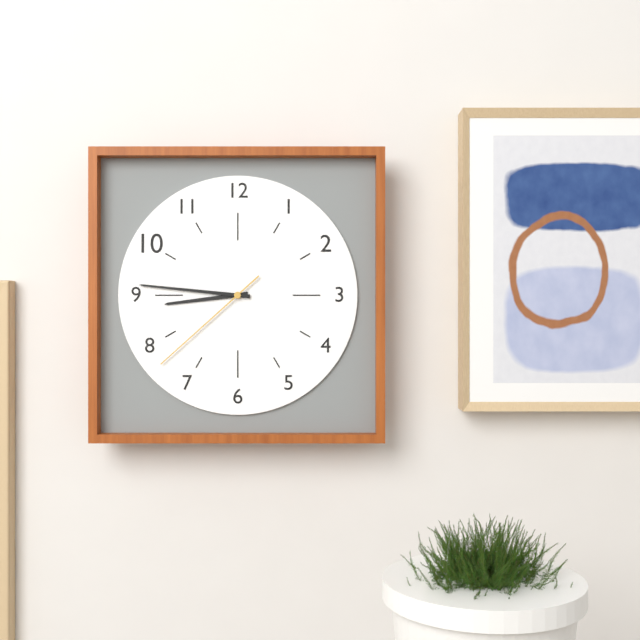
8:46:38
